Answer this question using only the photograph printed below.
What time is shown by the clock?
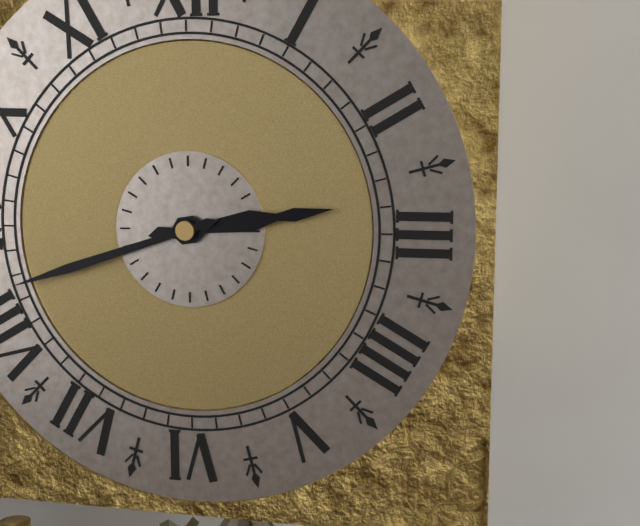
2:42
